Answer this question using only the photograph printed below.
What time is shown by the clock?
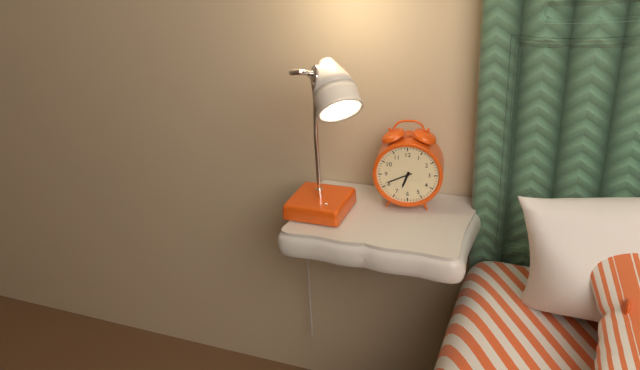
6:41
